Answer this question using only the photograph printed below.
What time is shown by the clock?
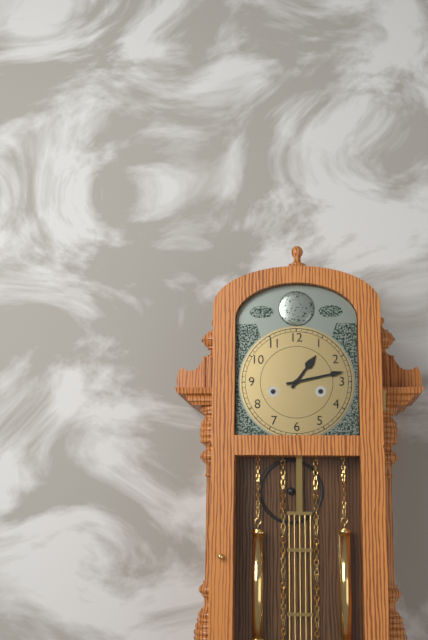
1:13
